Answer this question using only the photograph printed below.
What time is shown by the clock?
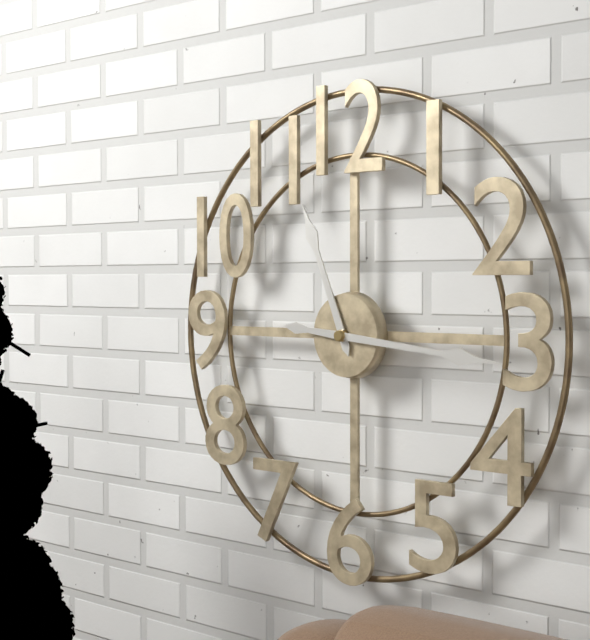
11:16
